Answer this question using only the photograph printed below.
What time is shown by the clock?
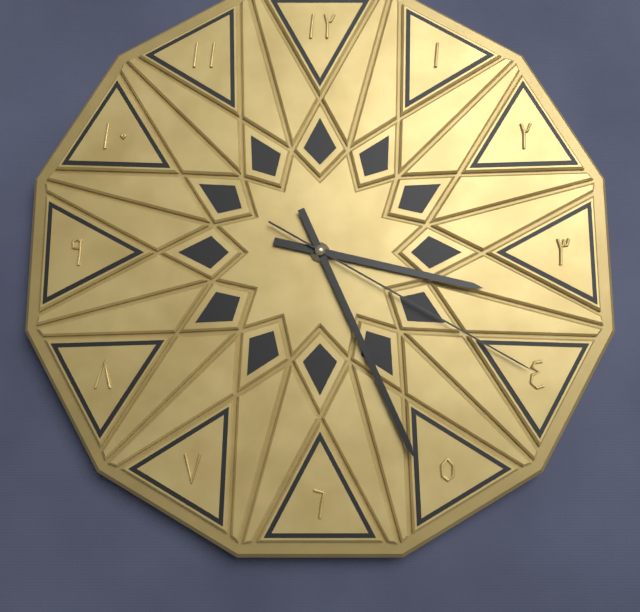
3:26:20
